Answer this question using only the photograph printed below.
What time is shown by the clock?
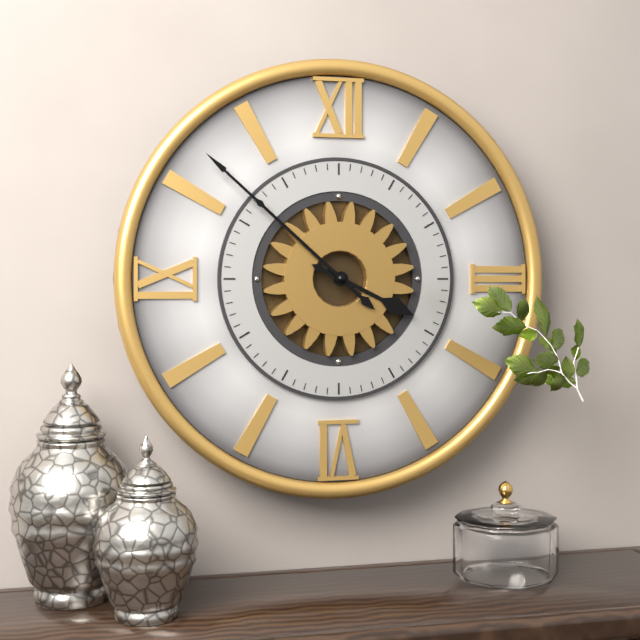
3:52
